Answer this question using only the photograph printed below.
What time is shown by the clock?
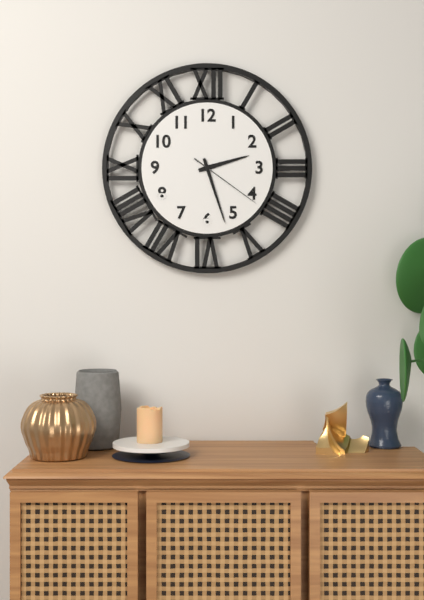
2:27:21
